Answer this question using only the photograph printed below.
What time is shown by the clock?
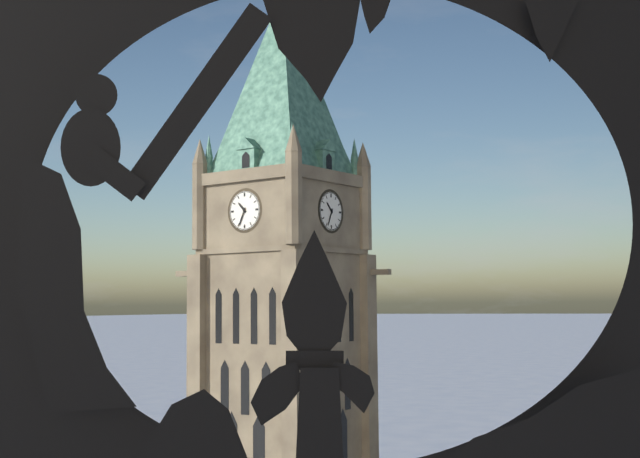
10:34
